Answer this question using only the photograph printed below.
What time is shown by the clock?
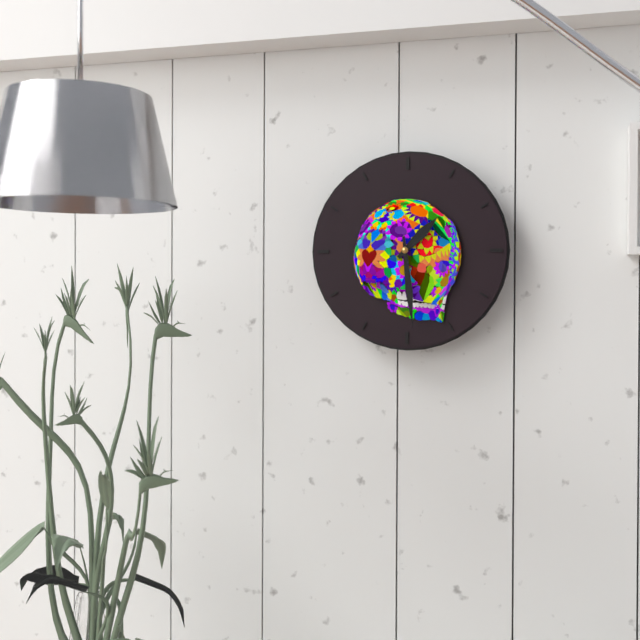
1:29
